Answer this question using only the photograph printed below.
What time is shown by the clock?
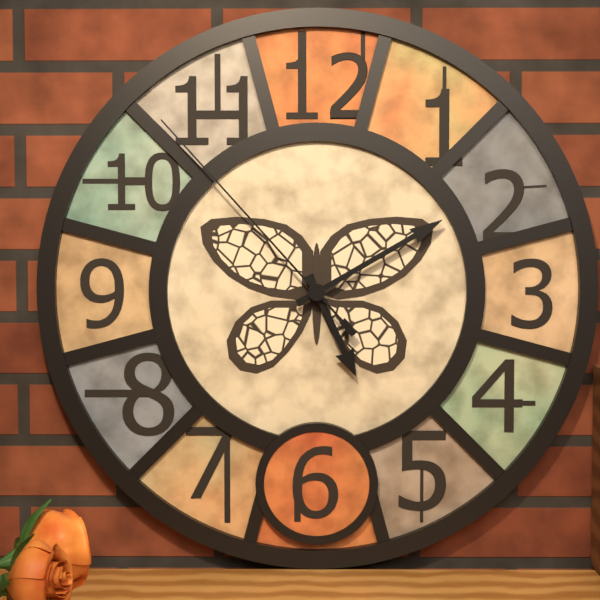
5:10:53
